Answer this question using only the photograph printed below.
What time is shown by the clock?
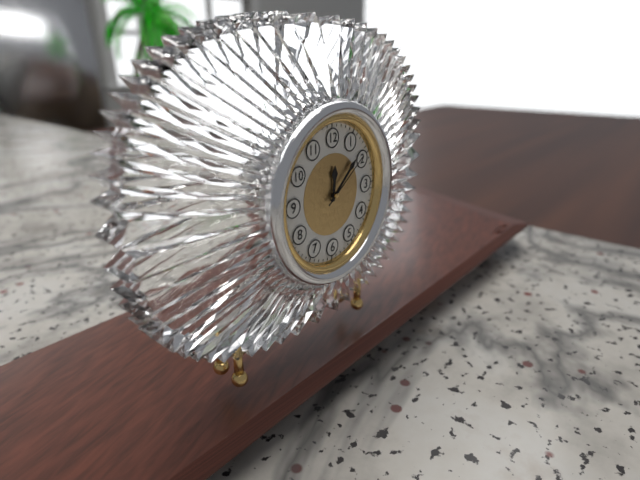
12:08:09
